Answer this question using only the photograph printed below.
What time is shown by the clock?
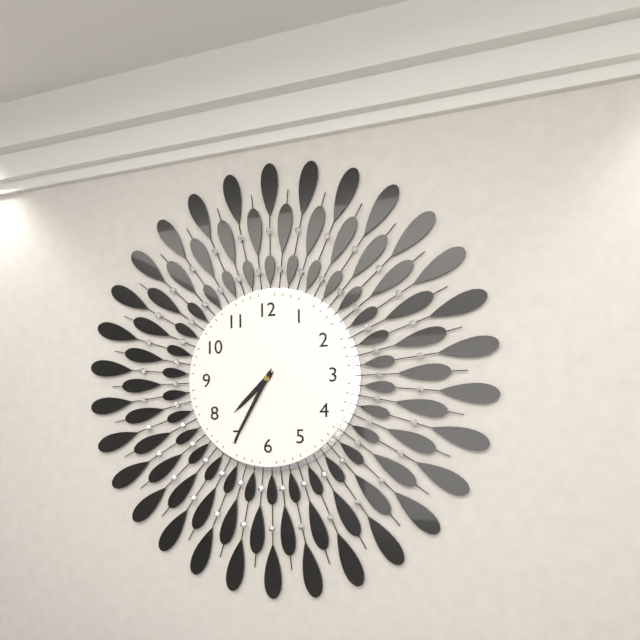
7:35
